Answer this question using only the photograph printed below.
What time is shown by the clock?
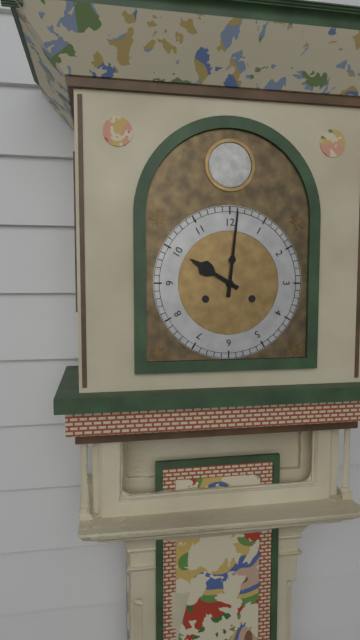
10:01
